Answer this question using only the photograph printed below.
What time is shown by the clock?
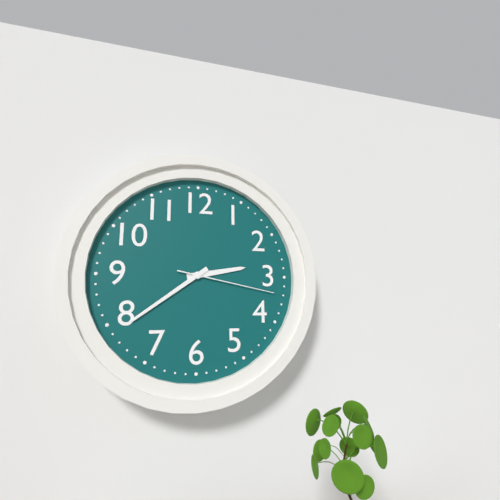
2:39:17
